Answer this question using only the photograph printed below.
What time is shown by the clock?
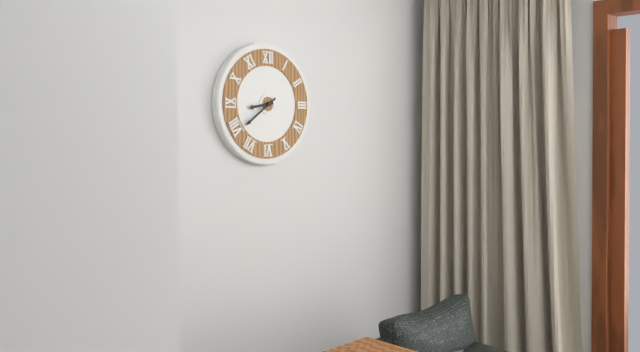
8:39
